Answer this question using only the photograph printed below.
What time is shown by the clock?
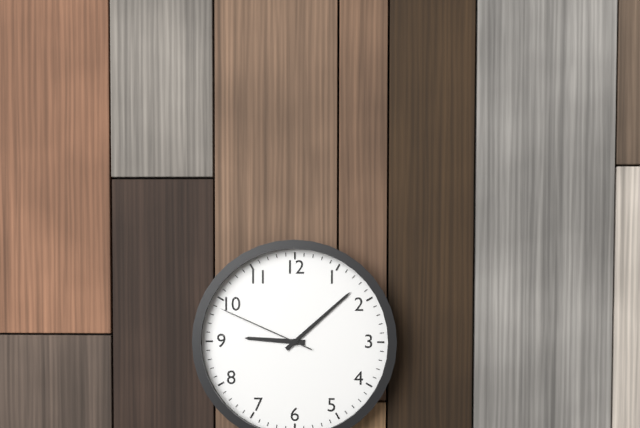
9:08:49
